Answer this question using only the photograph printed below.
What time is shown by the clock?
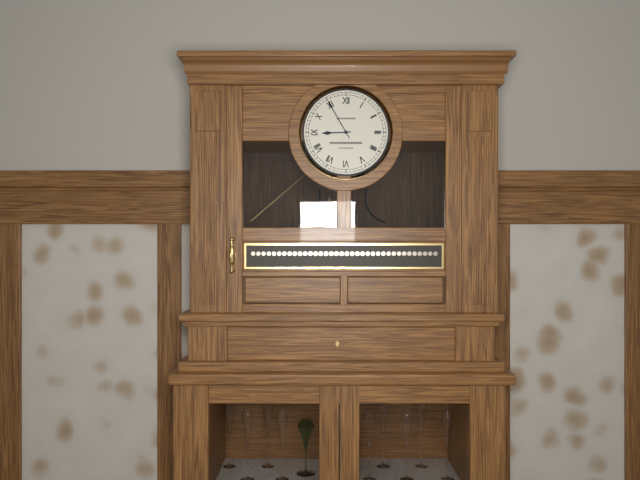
8:55
